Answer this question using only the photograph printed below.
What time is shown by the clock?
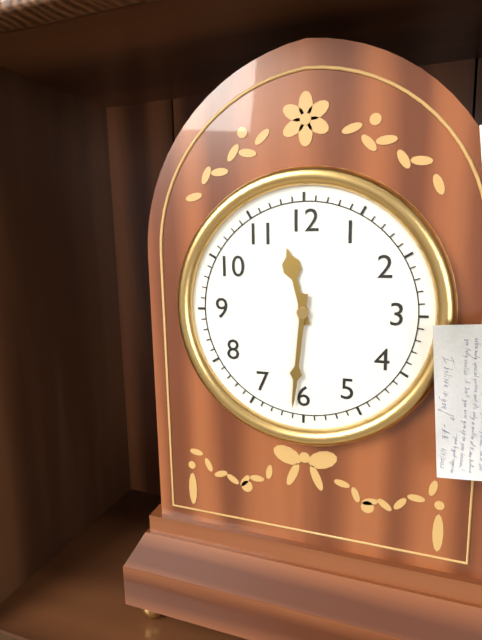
11:31
